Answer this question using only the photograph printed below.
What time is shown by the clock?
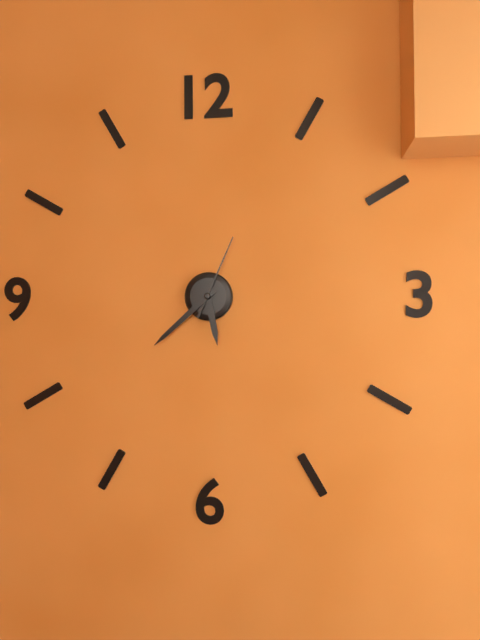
5:38:04
